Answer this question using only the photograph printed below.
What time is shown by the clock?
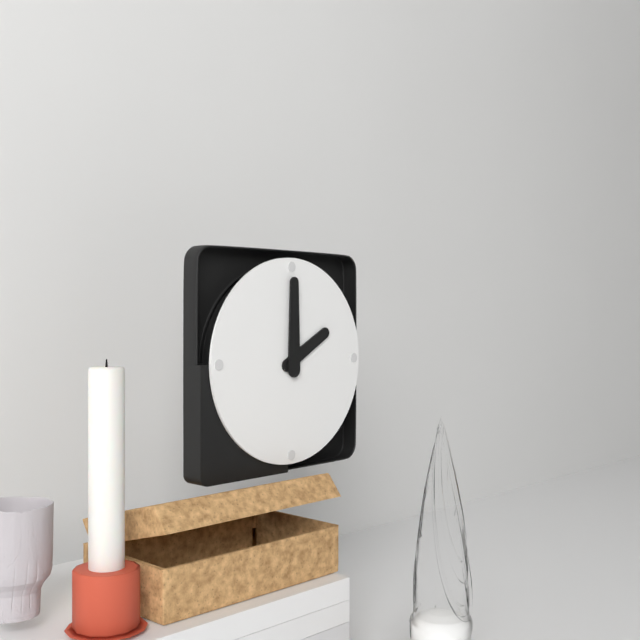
2:00
